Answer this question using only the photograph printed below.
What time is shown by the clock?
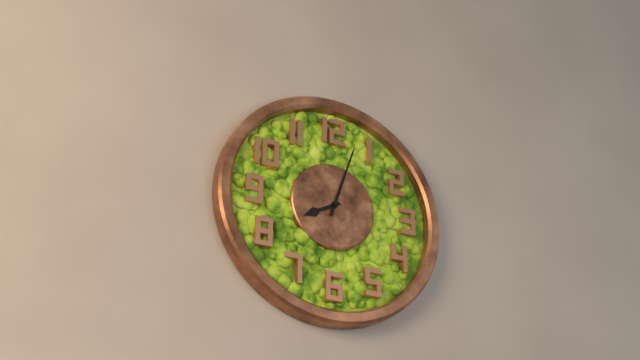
8:03
